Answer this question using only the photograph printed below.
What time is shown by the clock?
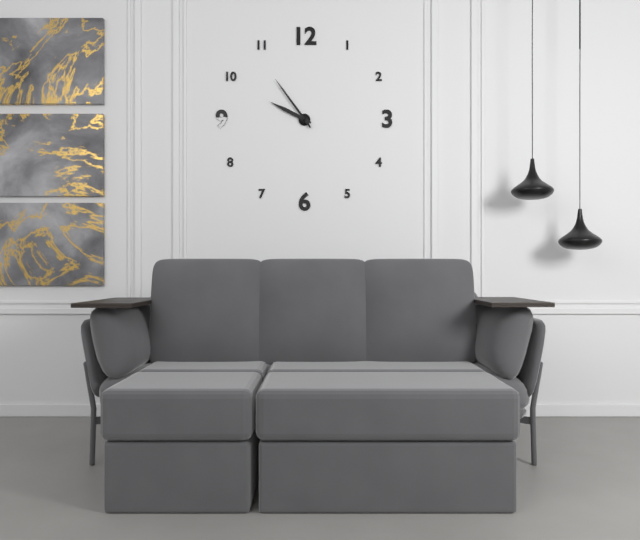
9:54
